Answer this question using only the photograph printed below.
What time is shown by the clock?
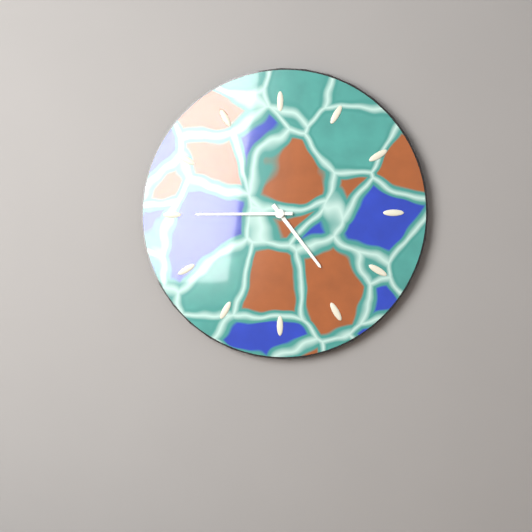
4:45
